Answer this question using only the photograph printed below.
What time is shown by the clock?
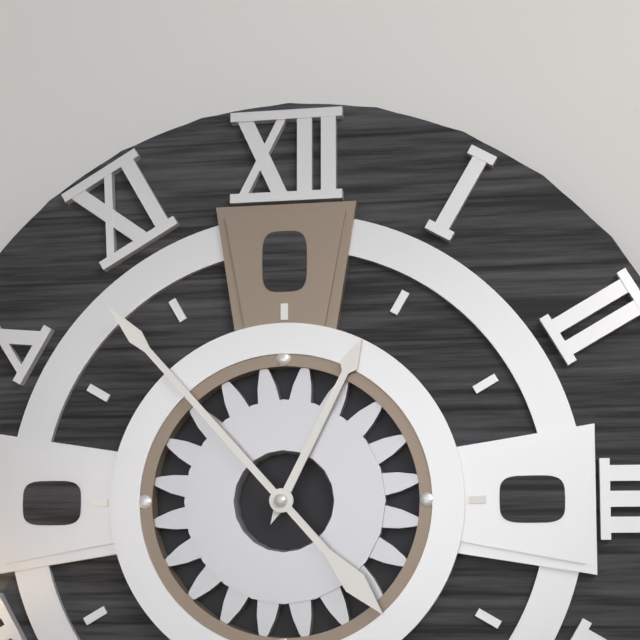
12:53
